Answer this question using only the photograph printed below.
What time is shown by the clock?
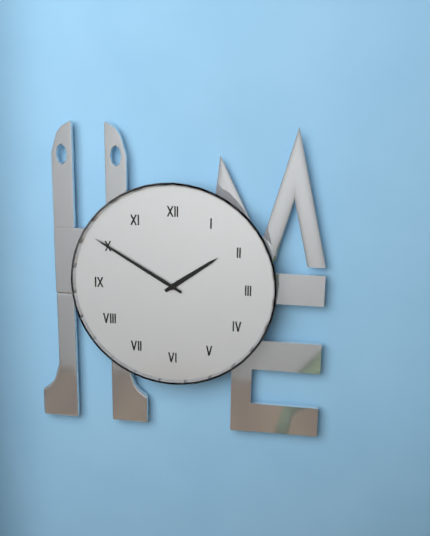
1:50
